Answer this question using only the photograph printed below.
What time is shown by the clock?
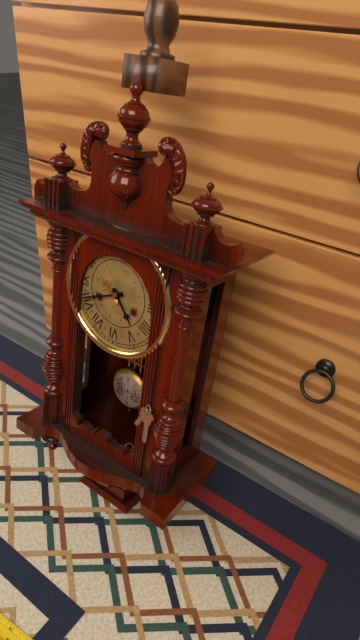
4:41
